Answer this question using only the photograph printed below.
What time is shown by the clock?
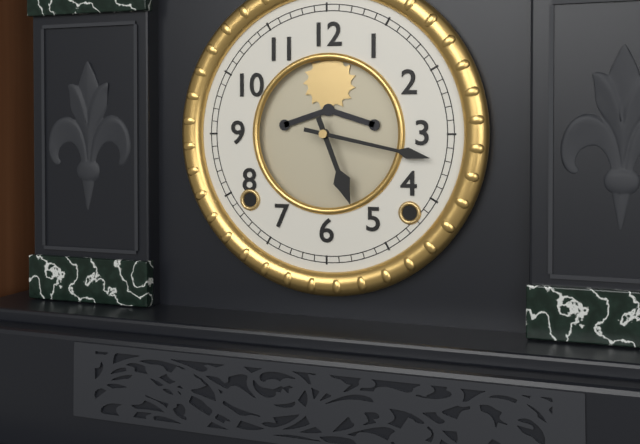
5:17
